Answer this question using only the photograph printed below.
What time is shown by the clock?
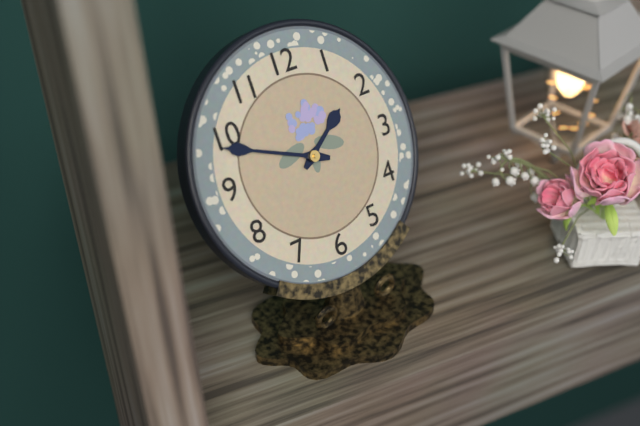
1:49
